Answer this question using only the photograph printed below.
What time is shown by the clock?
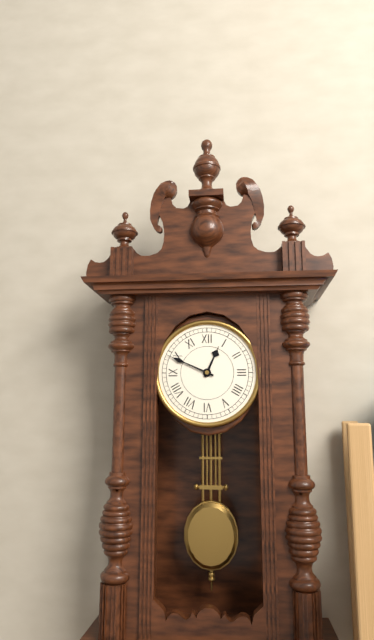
12:49
